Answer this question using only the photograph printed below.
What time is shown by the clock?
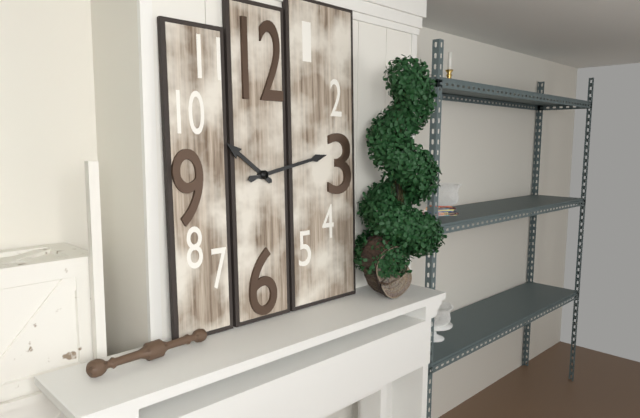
10:13
